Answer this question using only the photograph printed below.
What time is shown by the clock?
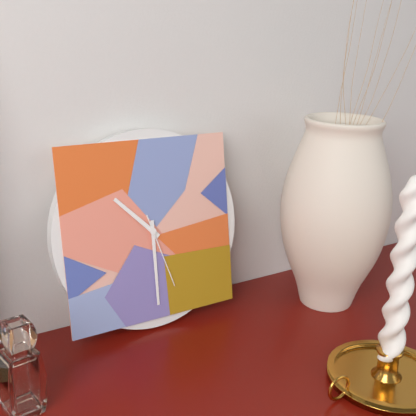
10:30:27
